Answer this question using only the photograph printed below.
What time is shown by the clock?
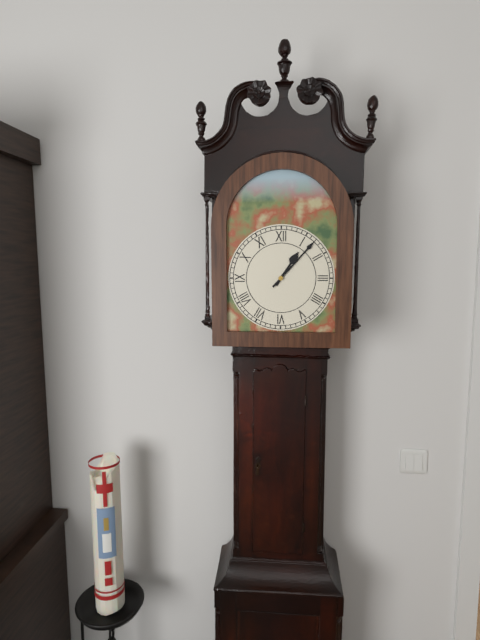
1:07
